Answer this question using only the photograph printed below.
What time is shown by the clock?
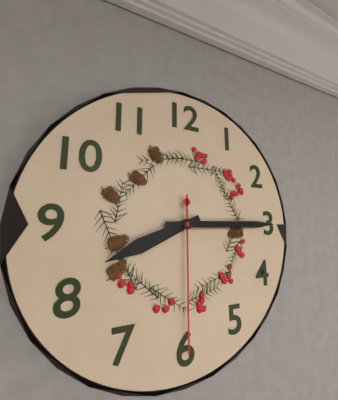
8:15:30
